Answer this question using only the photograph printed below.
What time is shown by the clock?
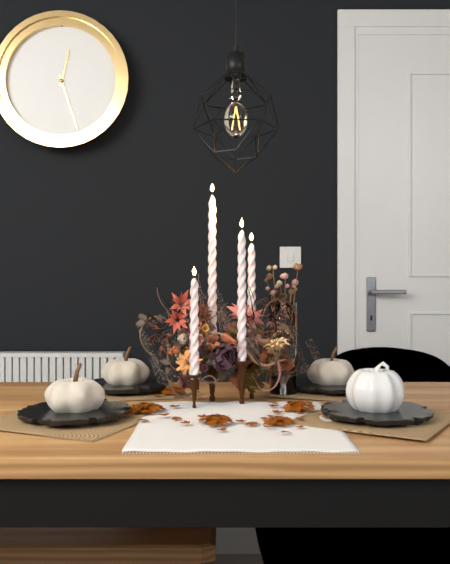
12:27
